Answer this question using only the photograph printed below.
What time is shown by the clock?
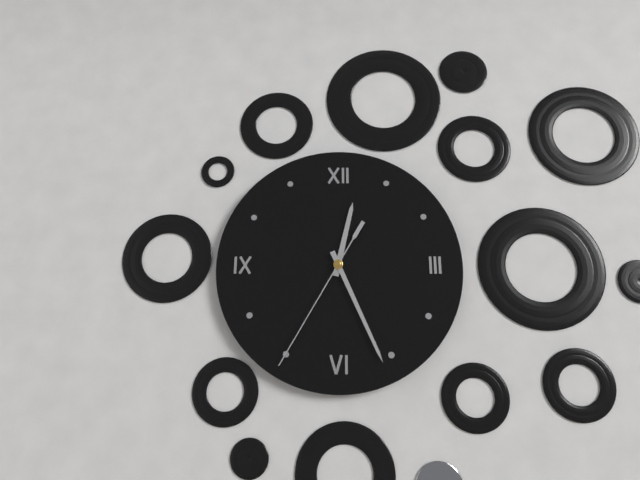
12:26:35
